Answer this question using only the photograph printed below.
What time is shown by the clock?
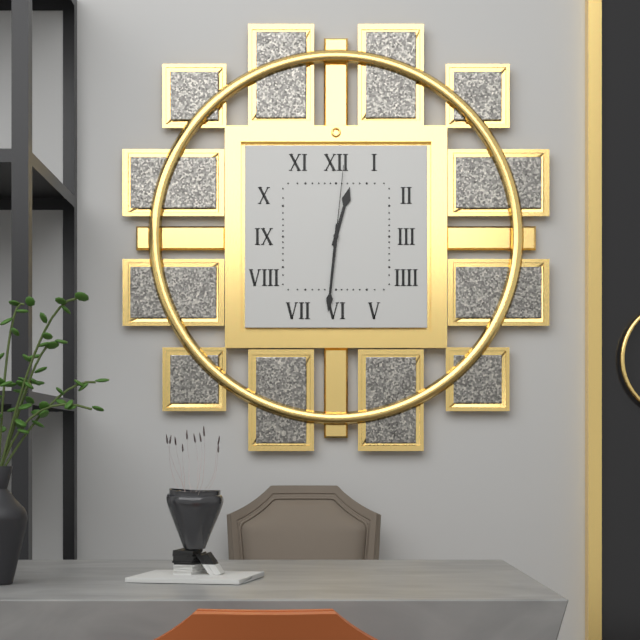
12:31:01
